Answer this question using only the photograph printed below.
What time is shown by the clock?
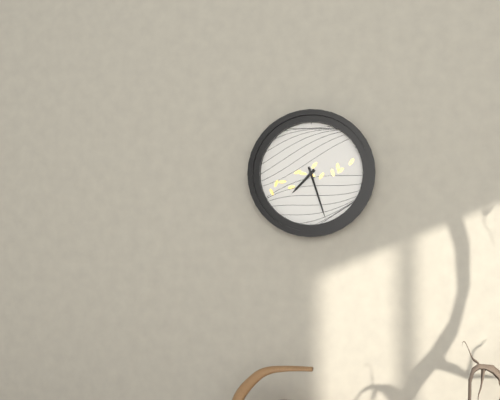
7:27
